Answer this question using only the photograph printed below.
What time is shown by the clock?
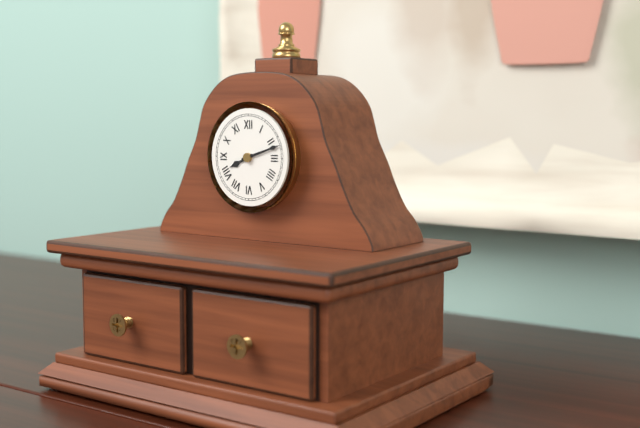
8:12
